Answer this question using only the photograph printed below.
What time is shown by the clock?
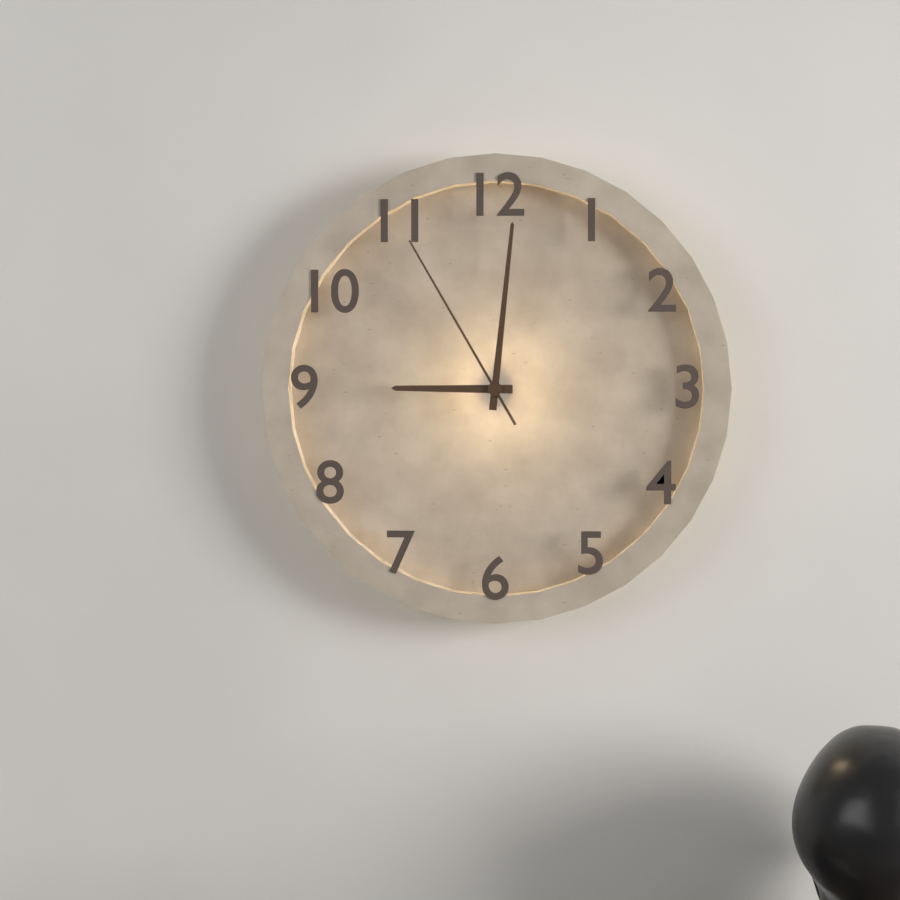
9:01:55
